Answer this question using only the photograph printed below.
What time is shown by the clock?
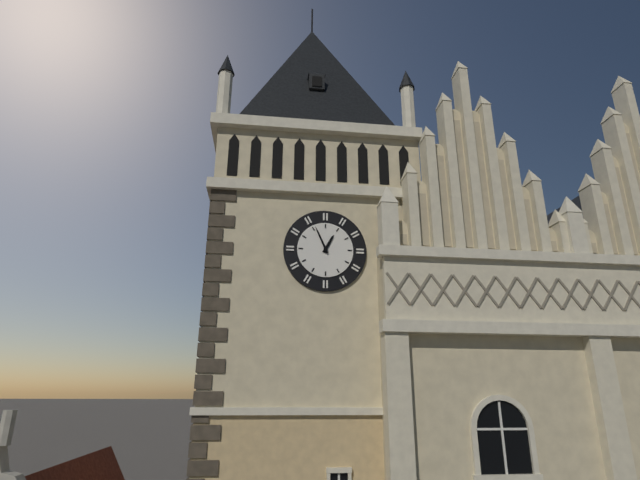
12:56
